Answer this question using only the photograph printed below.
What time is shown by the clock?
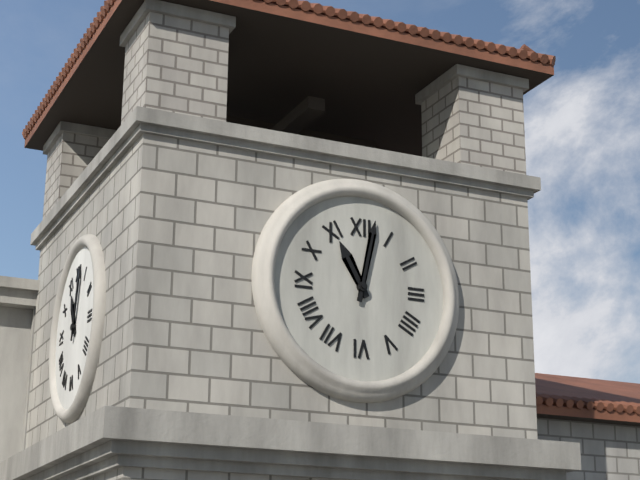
11:02
